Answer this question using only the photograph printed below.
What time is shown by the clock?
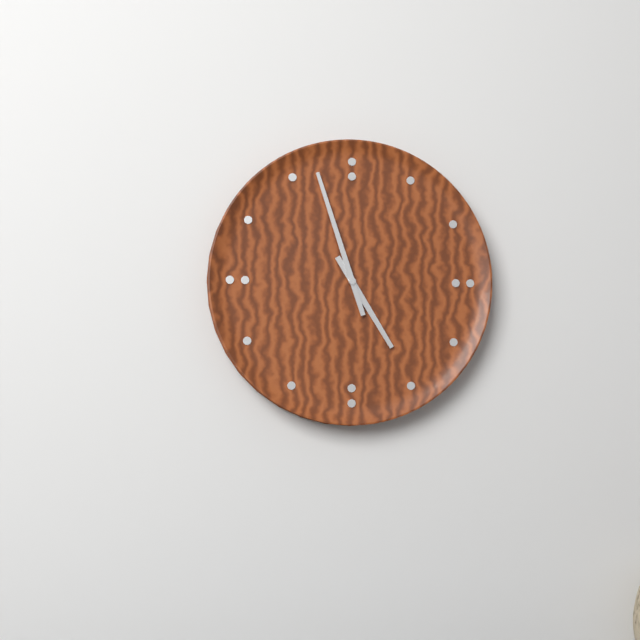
4:57
